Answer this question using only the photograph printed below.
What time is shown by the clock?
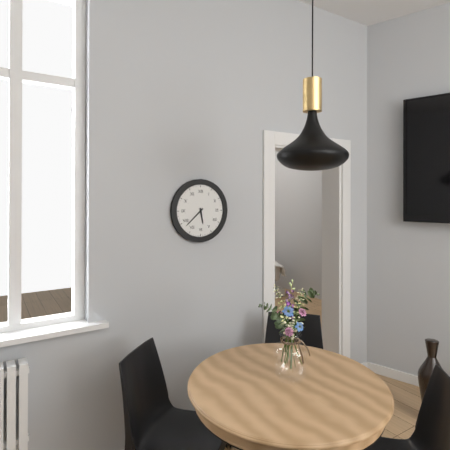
5:38
